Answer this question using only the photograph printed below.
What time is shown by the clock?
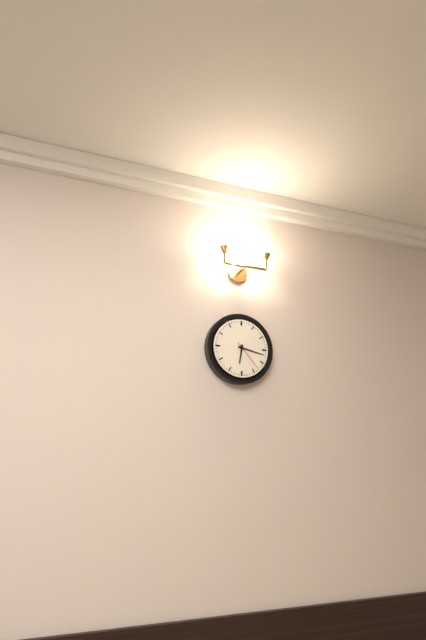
6:17
